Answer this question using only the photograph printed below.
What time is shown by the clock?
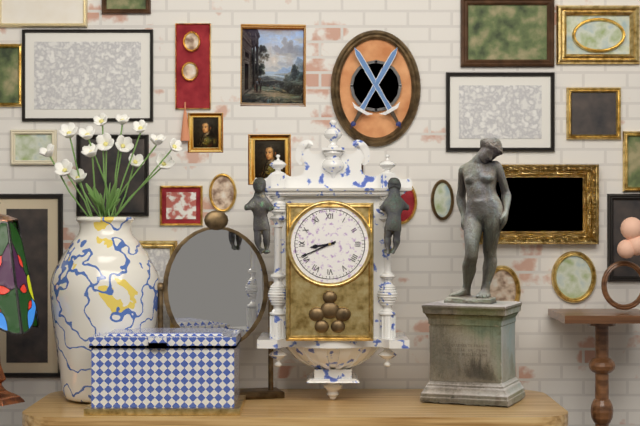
8:41
